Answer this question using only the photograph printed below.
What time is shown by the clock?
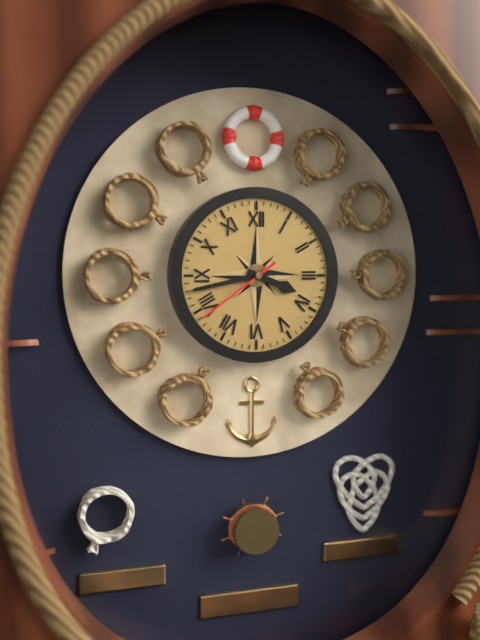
3:43:39
